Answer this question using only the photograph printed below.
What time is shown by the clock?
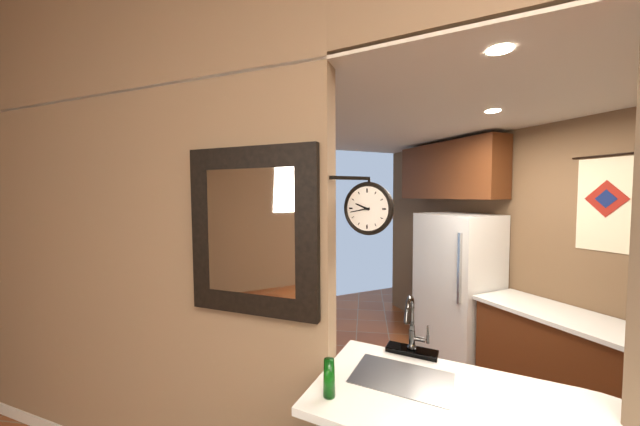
9:43
